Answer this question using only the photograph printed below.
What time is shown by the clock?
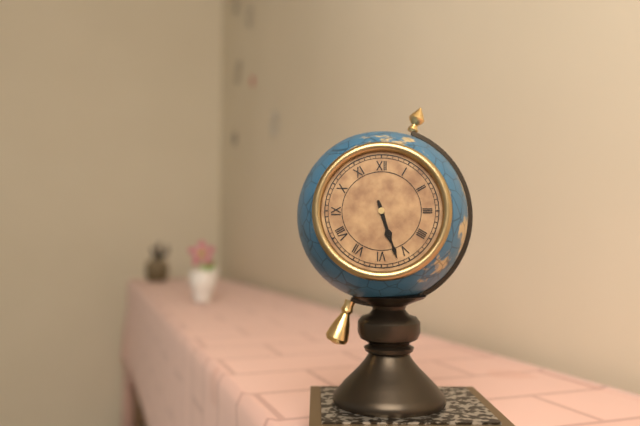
5:27
